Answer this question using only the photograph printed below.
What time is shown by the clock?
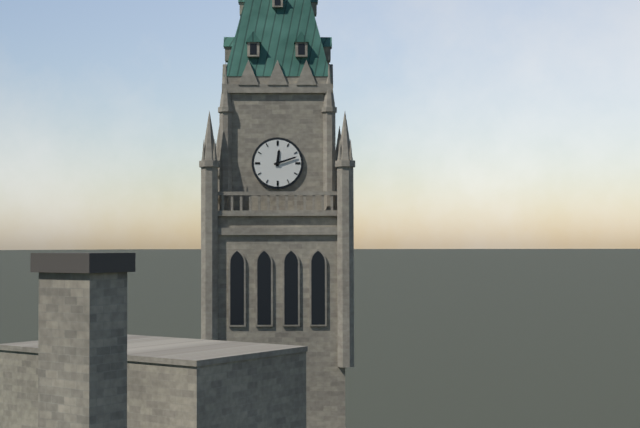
12:12
